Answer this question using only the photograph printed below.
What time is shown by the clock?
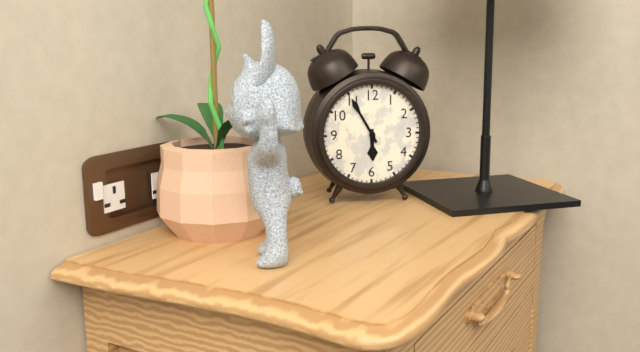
5:55
